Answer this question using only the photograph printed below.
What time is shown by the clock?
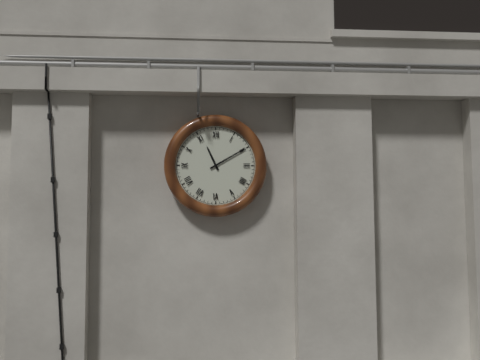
11:10
